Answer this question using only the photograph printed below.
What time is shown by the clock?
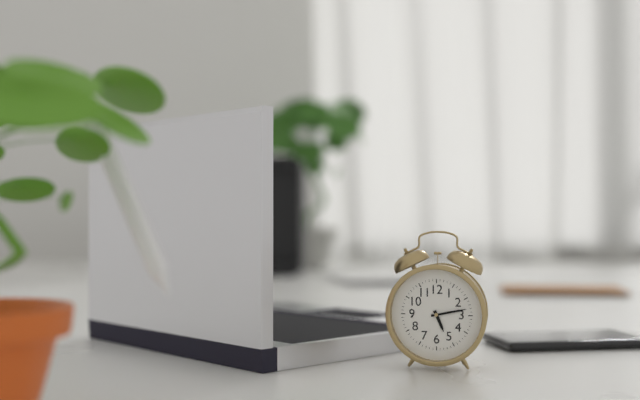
5:13
